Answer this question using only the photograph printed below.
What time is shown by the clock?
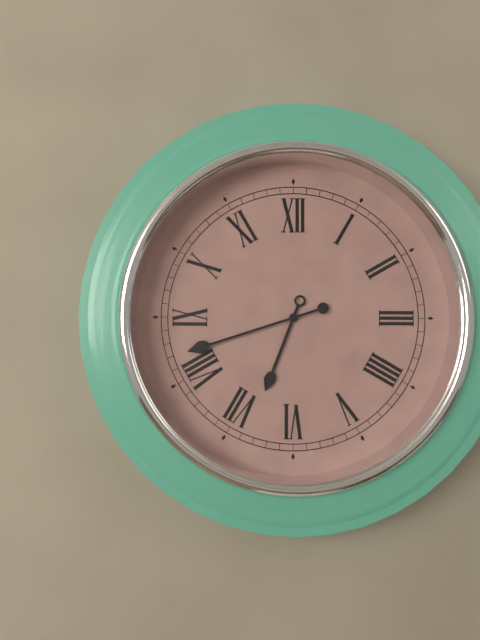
6:42
